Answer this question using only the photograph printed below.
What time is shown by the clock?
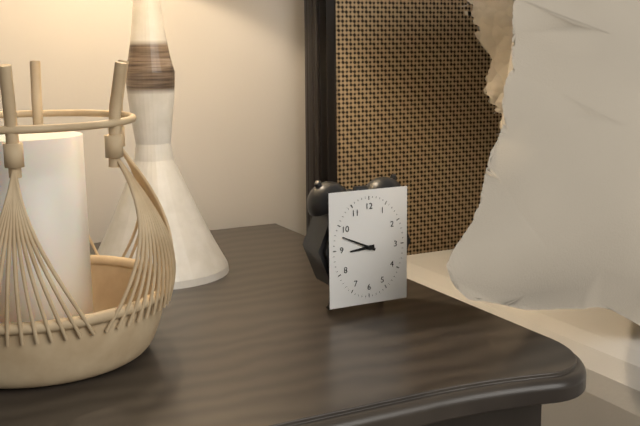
8:49
